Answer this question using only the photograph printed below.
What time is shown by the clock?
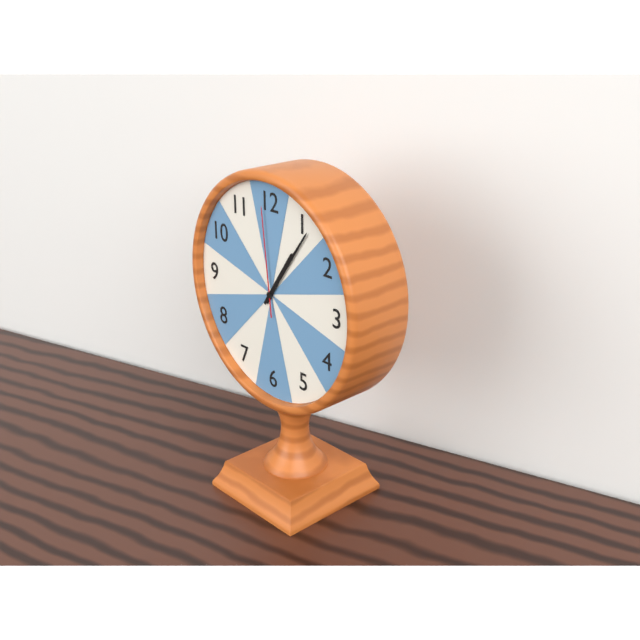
1:06:59
